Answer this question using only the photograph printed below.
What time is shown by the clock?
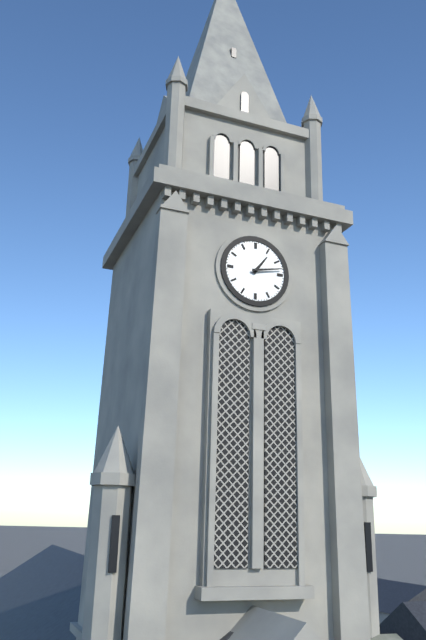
1:13
